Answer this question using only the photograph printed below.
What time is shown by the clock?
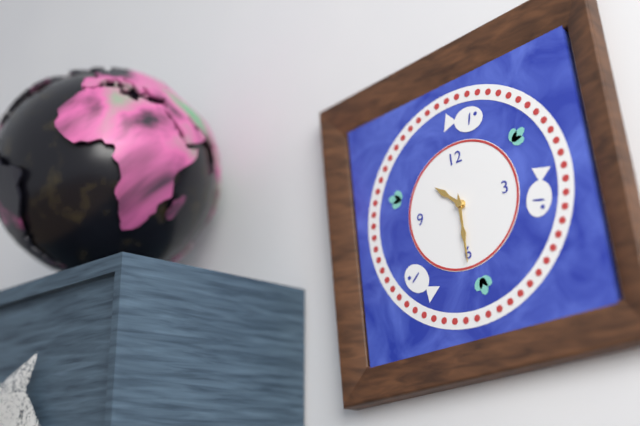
10:30
